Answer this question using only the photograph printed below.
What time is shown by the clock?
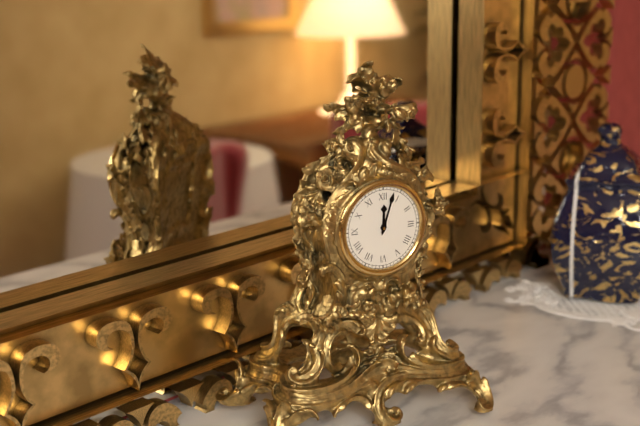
12:03
